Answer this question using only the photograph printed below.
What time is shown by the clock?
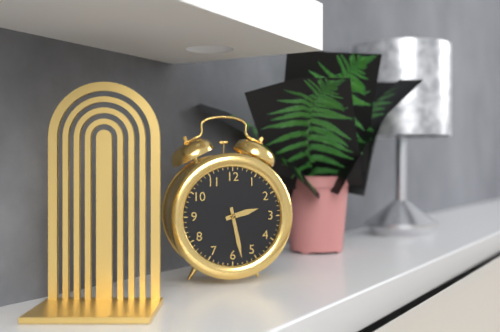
2:28
